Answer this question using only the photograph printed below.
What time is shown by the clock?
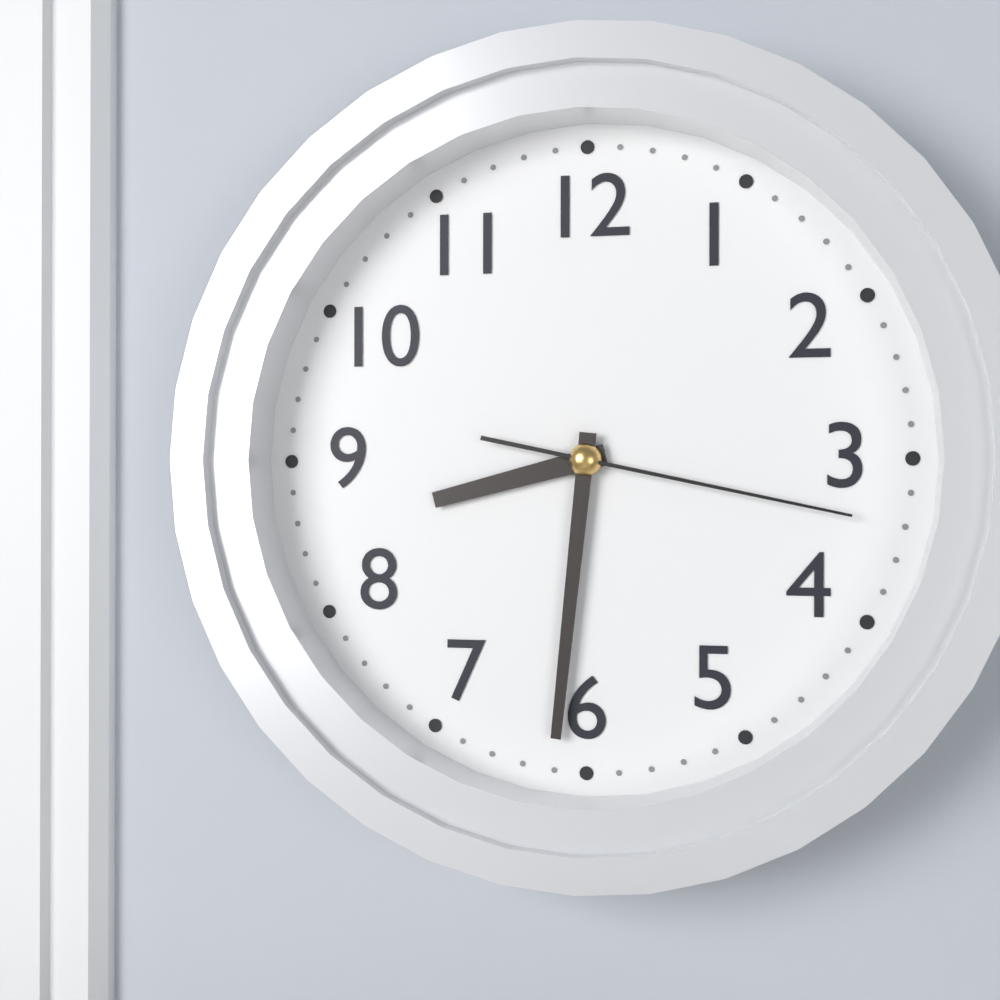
8:31:17
